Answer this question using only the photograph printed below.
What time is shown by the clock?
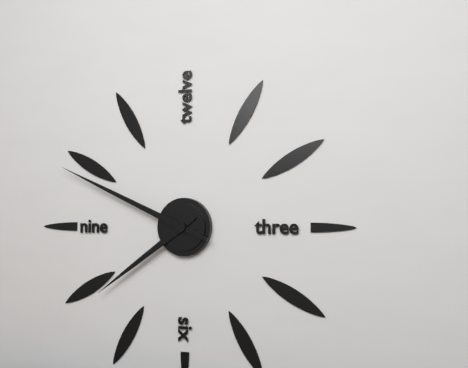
7:49
